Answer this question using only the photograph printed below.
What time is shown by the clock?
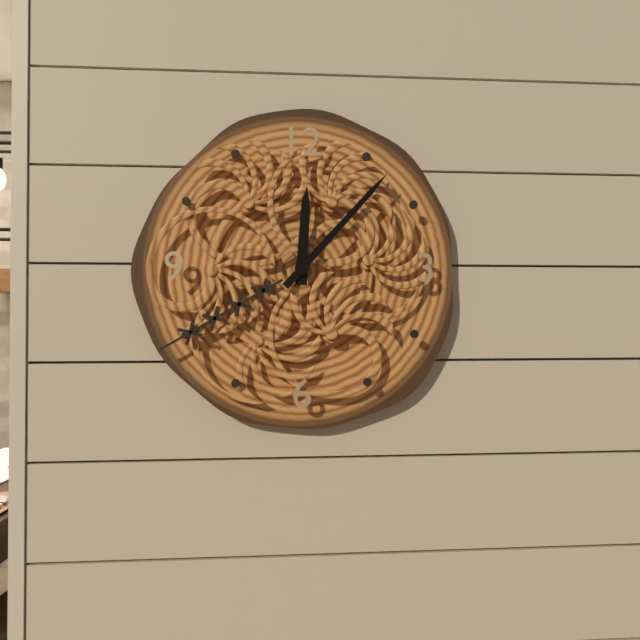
12:07
